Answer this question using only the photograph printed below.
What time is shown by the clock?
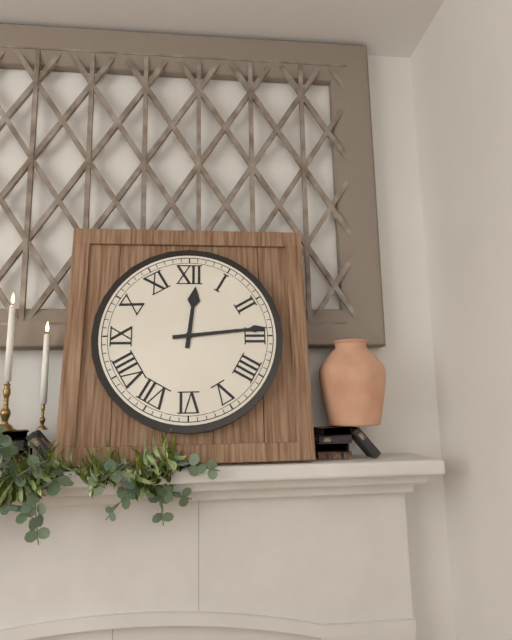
12:14
